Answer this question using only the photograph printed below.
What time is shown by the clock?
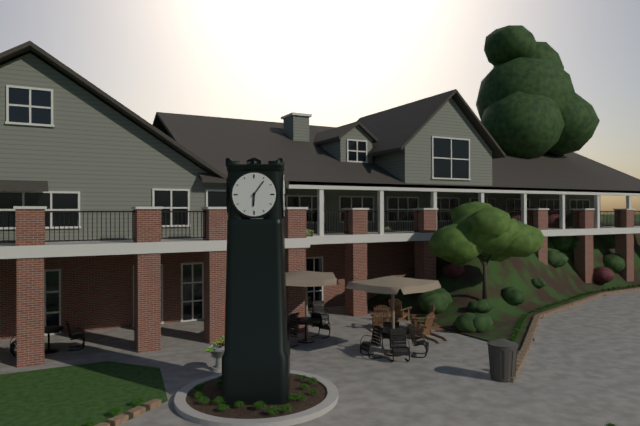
6:06
